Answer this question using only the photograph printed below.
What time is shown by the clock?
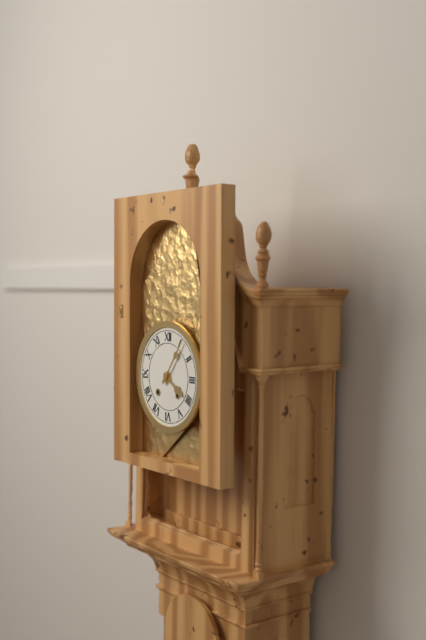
4:06
